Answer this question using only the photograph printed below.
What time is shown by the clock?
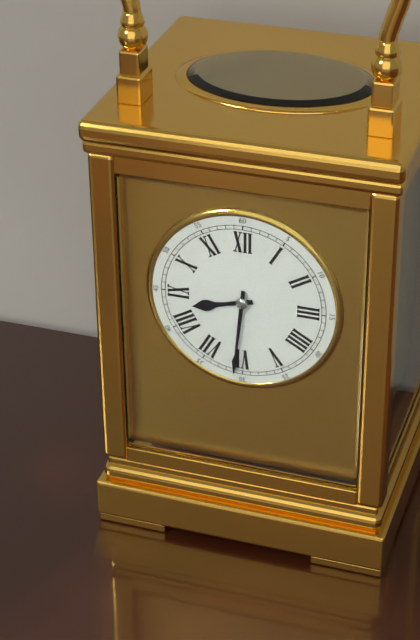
8:31
